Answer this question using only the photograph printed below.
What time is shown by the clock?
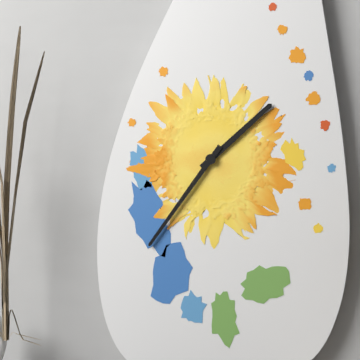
1:36
